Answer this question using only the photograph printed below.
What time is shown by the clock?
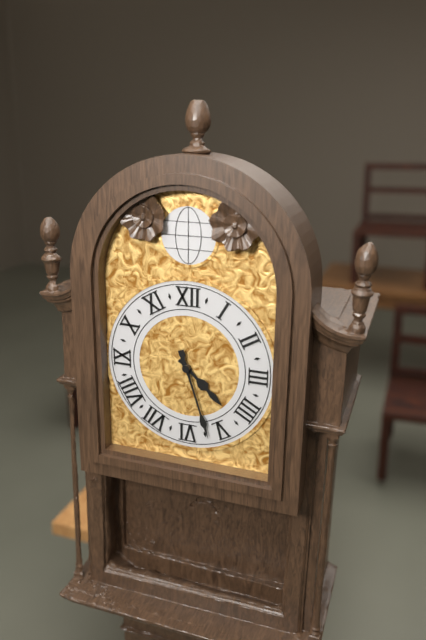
4:27
